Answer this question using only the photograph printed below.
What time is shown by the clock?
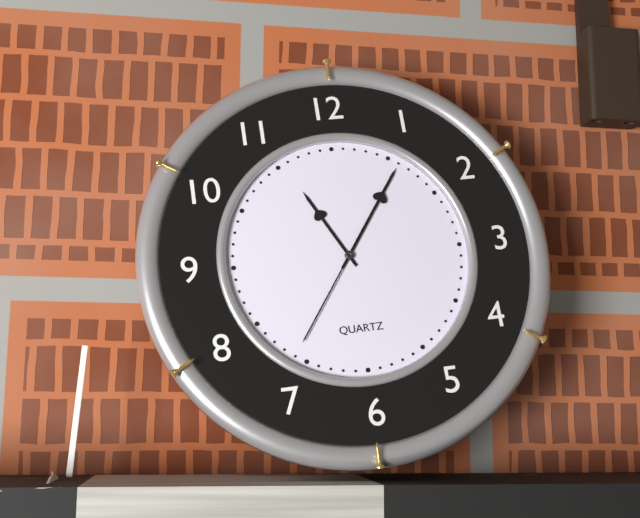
11:06:36
